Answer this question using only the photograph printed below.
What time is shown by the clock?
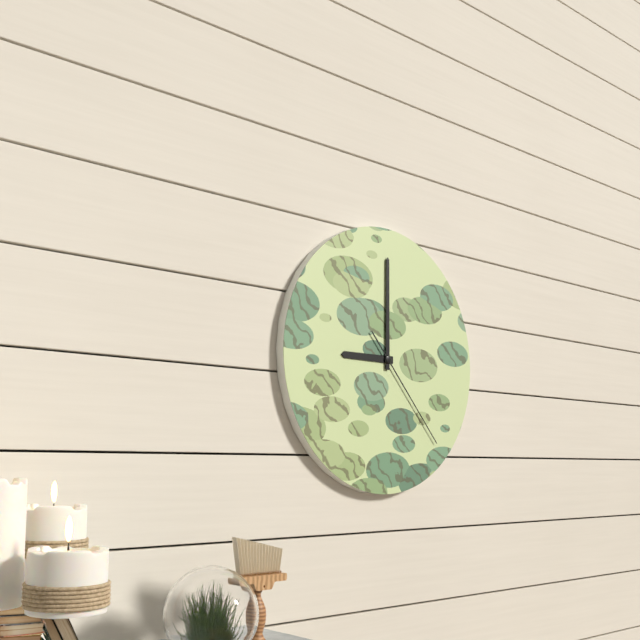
9:00:23
